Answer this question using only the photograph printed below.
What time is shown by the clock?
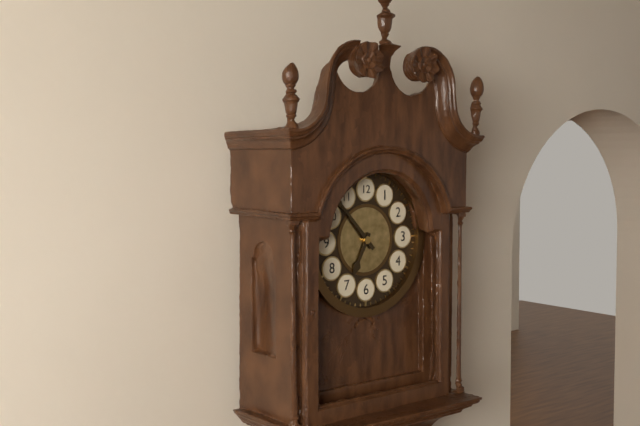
6:53
